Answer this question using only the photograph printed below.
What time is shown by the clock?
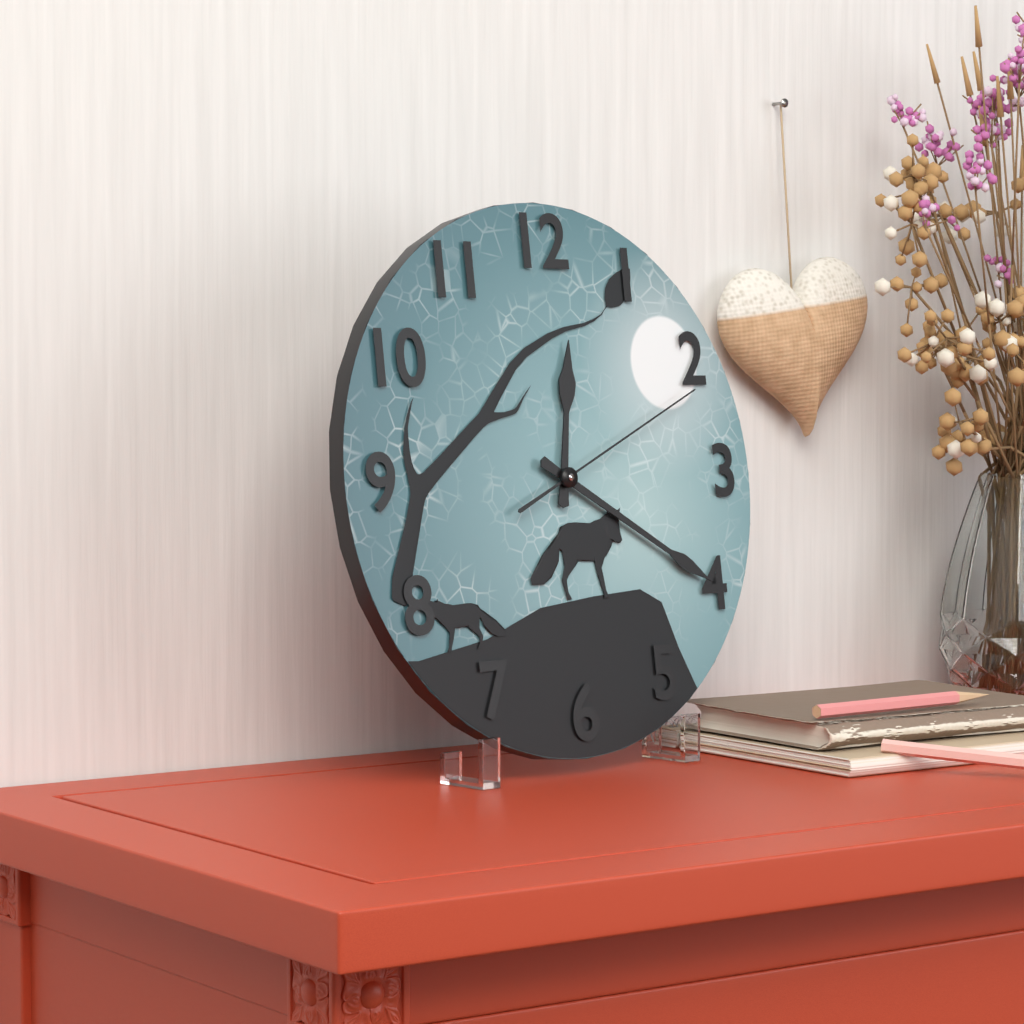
12:20:11
